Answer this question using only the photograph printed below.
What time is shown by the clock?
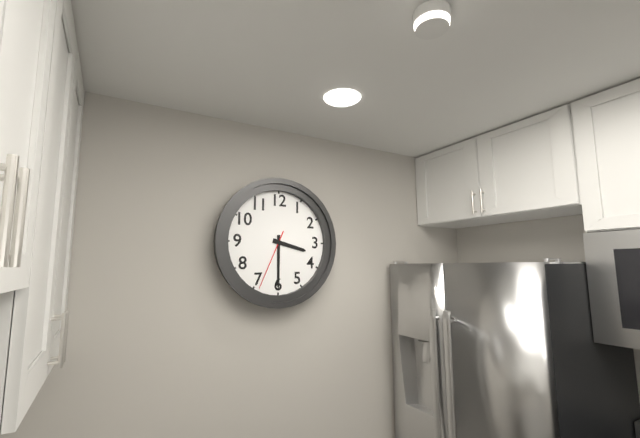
3:30:34
